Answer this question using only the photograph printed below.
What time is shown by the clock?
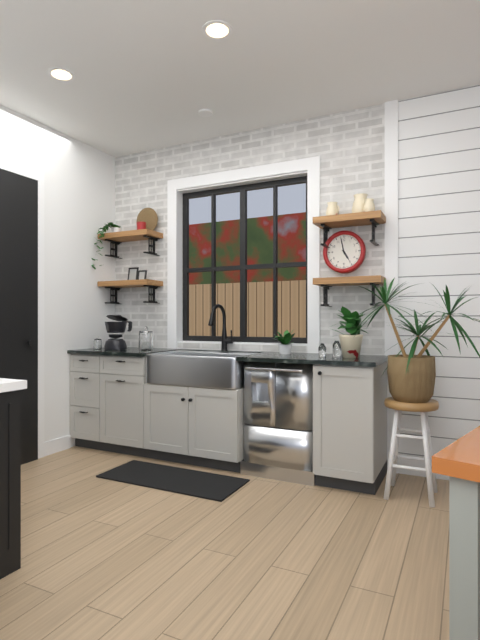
4:58
